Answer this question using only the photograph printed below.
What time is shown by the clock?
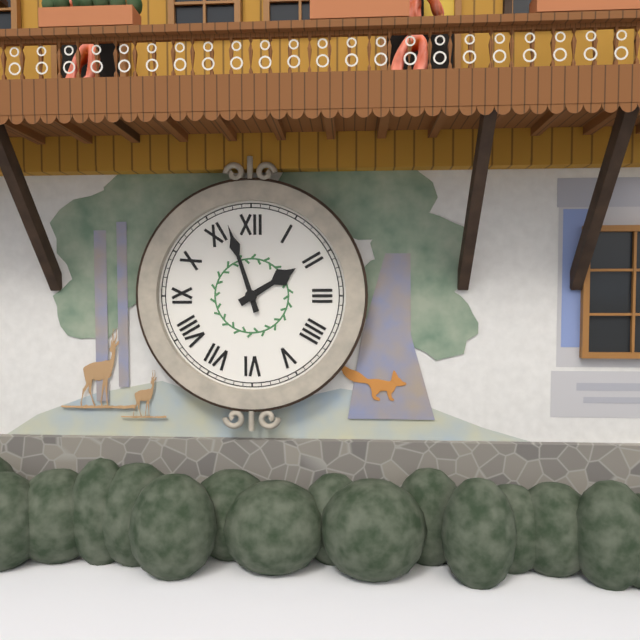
1:57
